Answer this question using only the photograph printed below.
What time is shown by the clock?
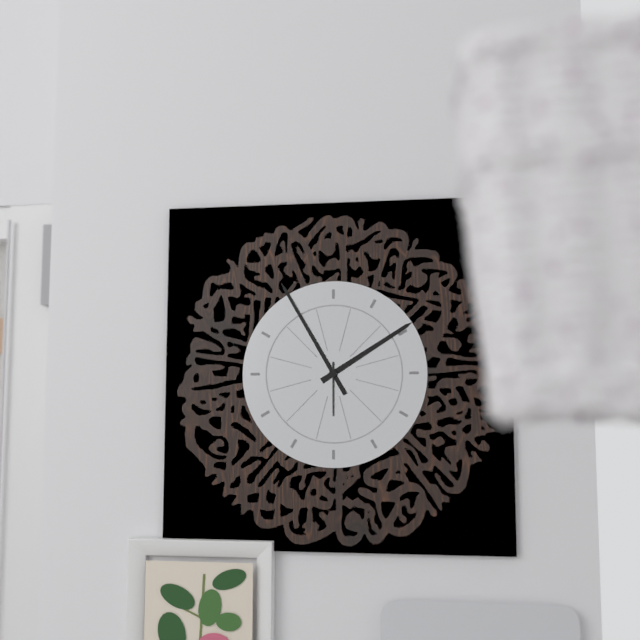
1:55:30
